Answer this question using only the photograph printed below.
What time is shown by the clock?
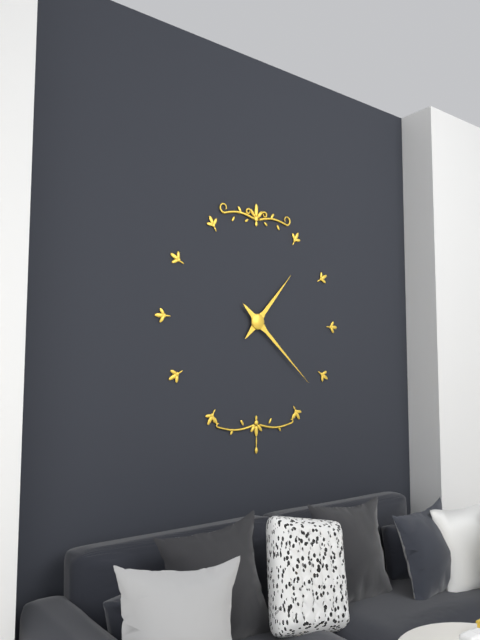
1:22
